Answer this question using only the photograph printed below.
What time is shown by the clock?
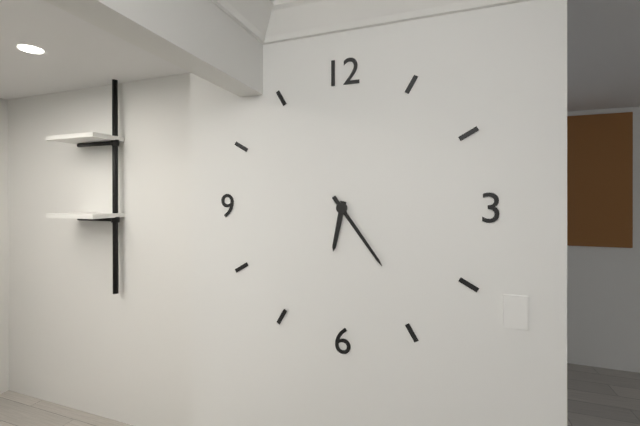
6:24
